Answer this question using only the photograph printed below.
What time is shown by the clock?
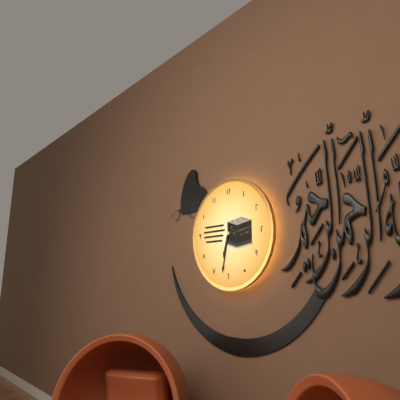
6:32
